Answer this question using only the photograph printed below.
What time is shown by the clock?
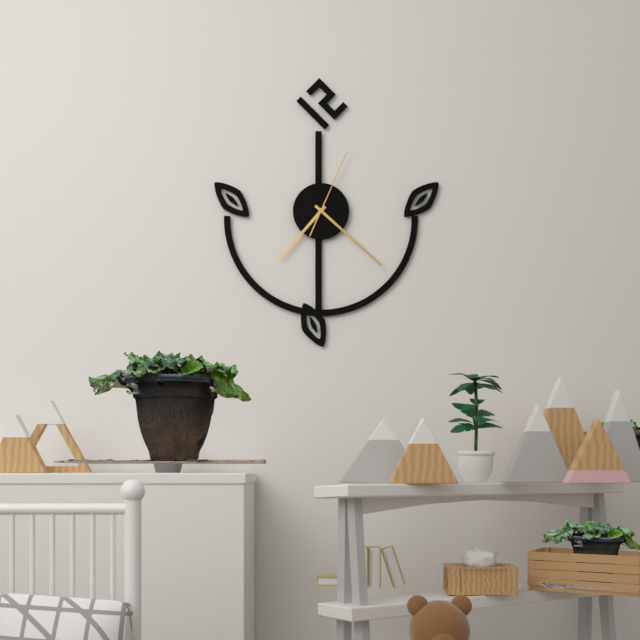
7:22:04
